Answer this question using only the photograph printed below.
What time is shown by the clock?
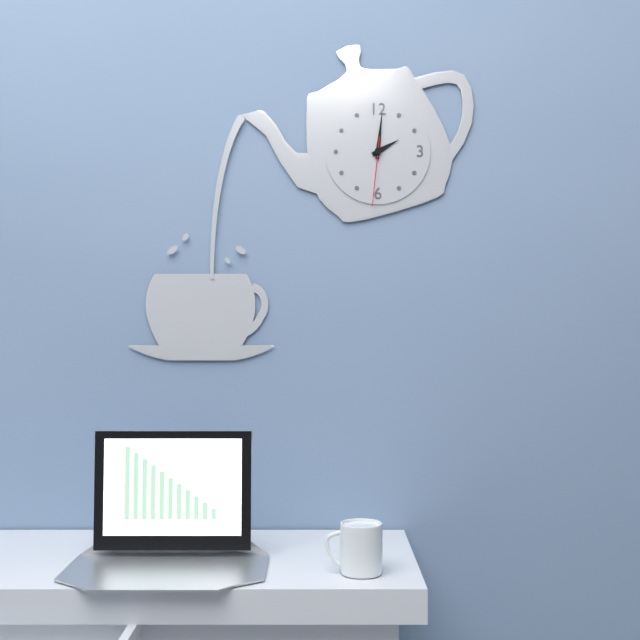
2:01:31
